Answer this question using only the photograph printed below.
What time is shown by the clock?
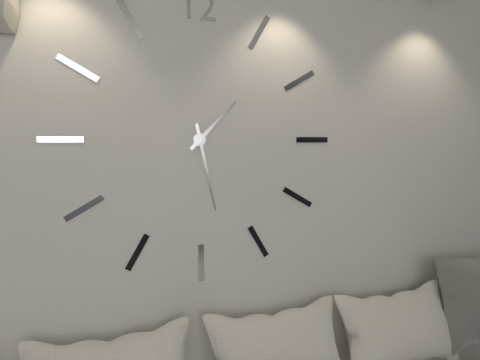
1:28
